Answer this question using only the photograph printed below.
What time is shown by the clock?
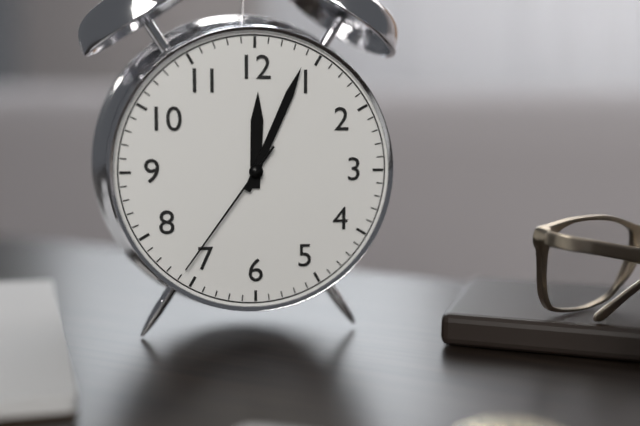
12:04:36
